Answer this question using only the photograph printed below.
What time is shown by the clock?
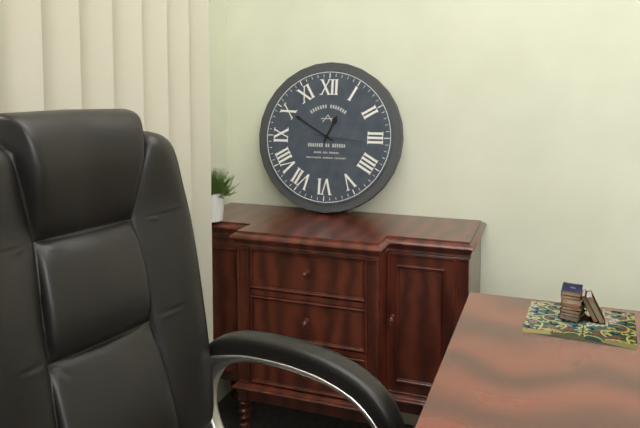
12:50
